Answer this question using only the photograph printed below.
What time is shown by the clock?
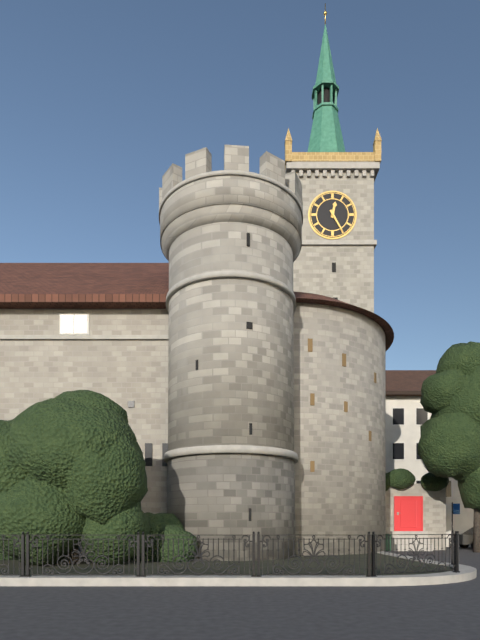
12:25
